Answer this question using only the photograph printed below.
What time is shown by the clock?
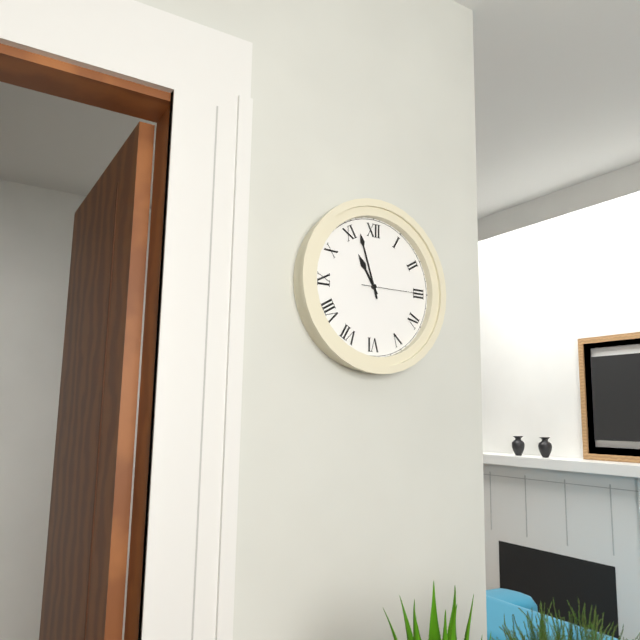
10:57:15
